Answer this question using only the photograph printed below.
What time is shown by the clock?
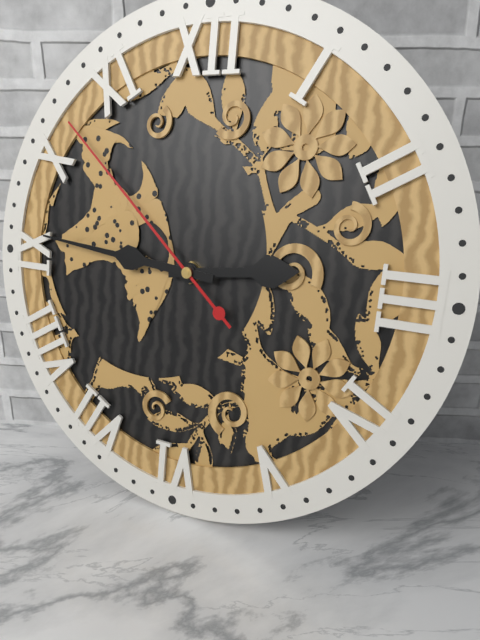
2:46:52
